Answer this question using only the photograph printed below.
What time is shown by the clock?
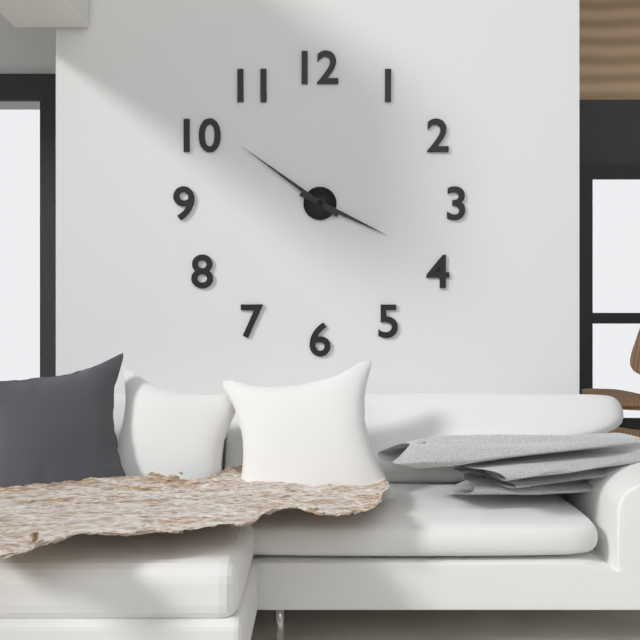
3:51
